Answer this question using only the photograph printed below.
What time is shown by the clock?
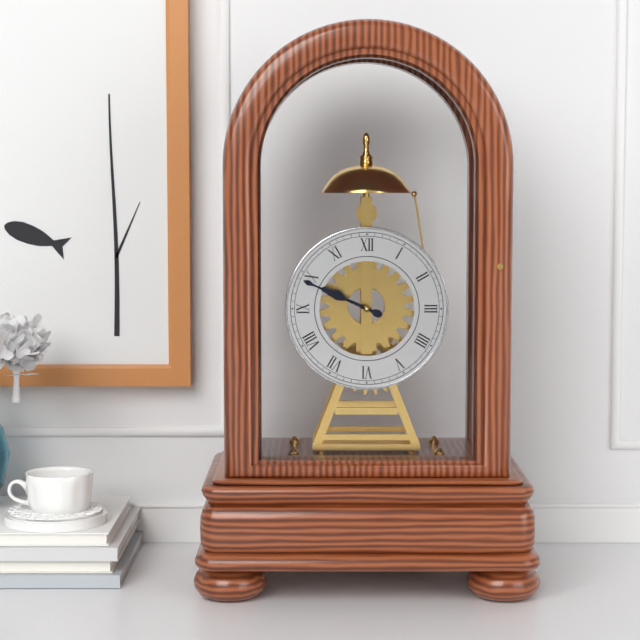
9:49
